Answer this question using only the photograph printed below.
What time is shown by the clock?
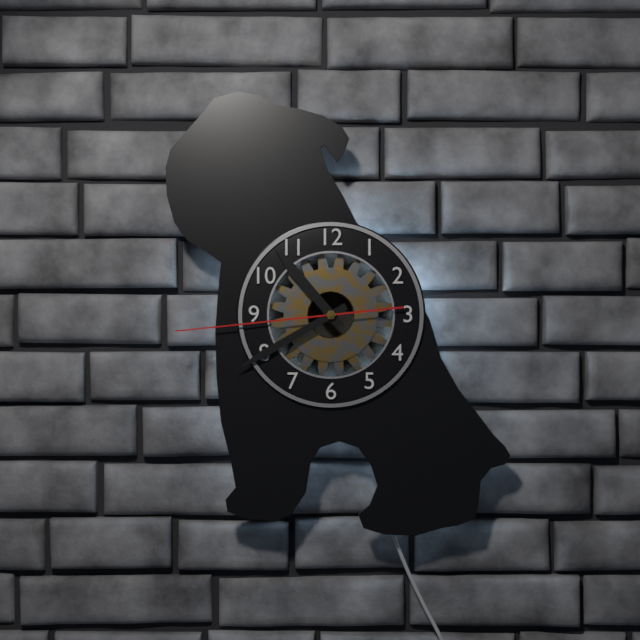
10:40:44
